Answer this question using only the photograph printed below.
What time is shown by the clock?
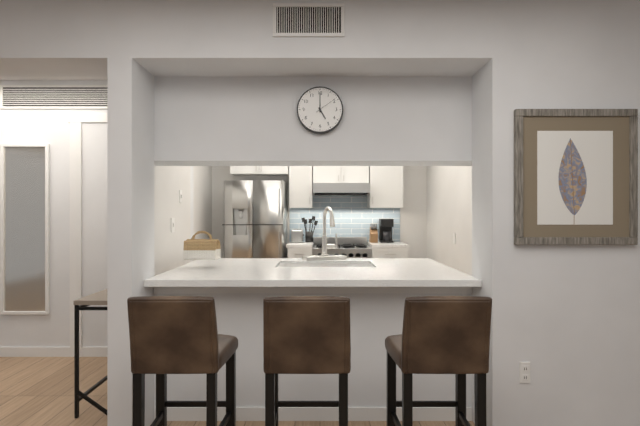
5:00
